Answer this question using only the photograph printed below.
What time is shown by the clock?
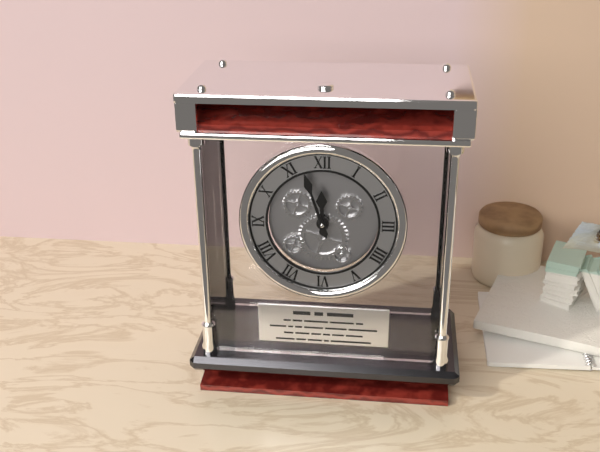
11:57
